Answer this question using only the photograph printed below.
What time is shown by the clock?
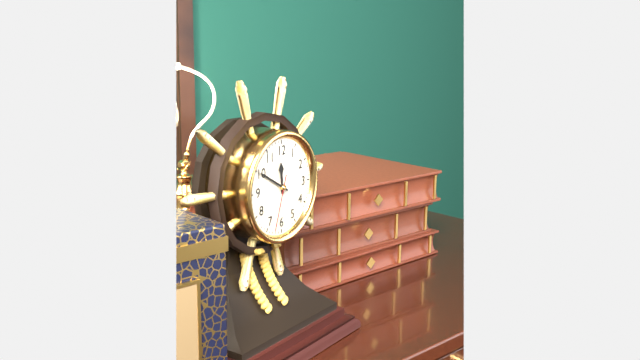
11:50:33
